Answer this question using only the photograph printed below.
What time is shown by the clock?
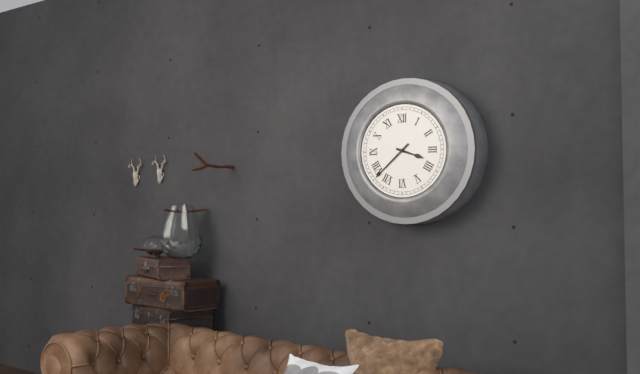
3:38
